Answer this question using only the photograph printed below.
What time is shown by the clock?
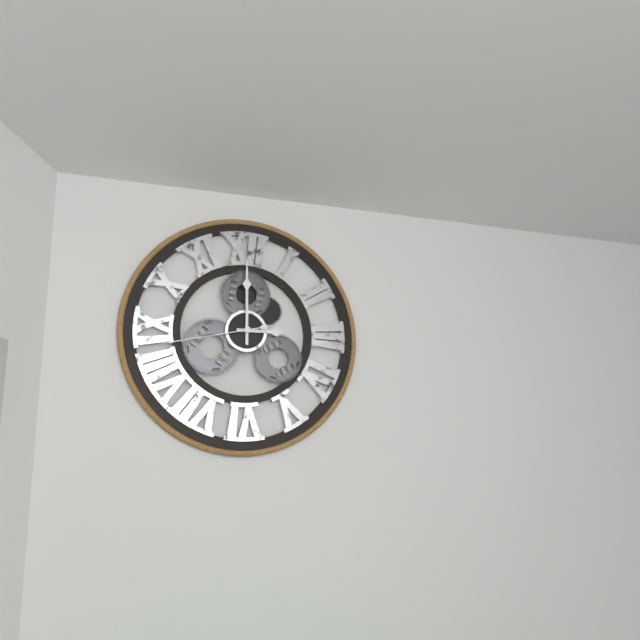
3:00:43
